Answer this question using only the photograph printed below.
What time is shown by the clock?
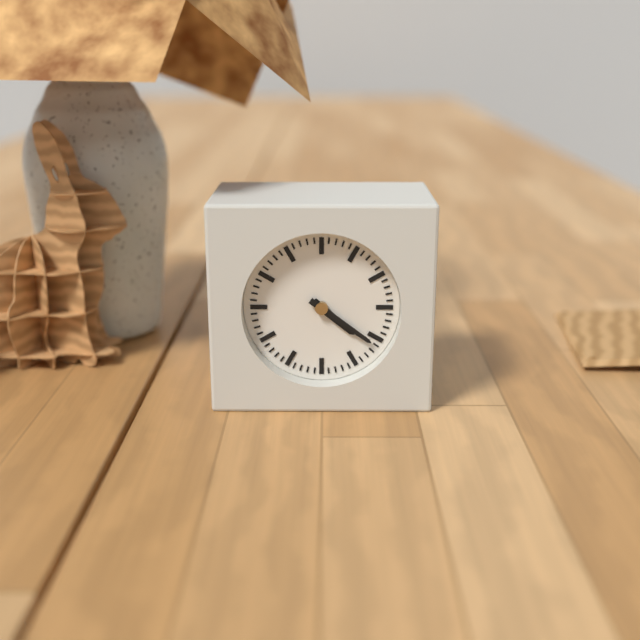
4:21
